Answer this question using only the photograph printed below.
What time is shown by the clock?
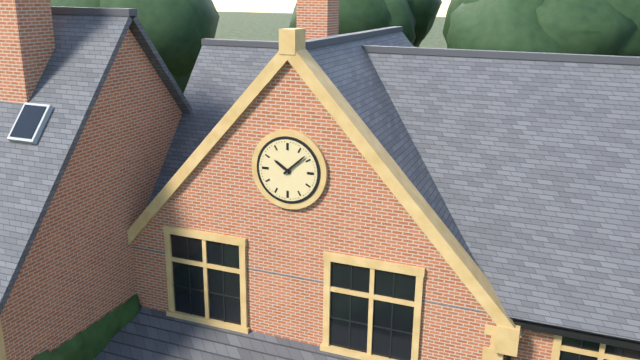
10:08
